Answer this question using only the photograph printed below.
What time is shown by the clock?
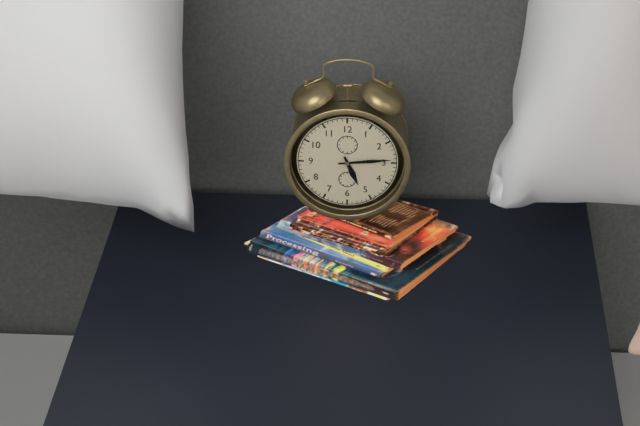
5:14
